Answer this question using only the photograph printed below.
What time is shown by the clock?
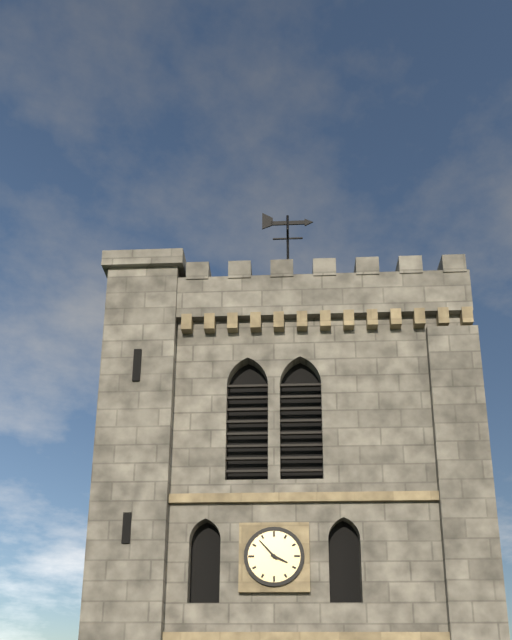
3:53
